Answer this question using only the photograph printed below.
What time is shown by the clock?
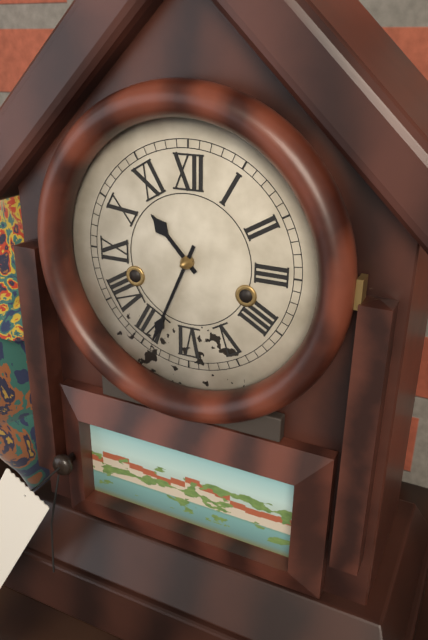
10:34
